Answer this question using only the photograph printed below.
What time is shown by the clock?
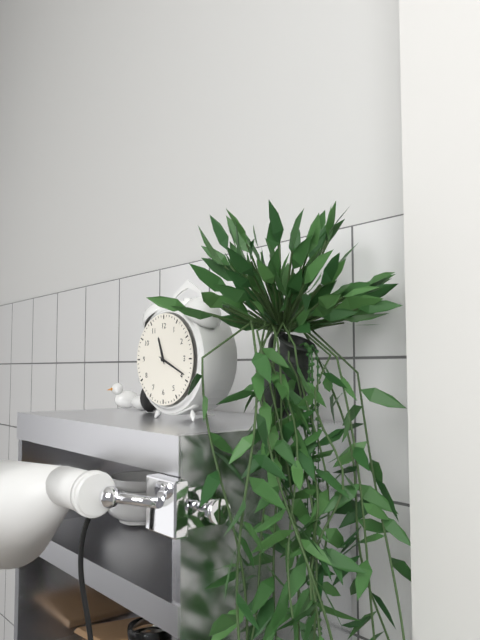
11:19
